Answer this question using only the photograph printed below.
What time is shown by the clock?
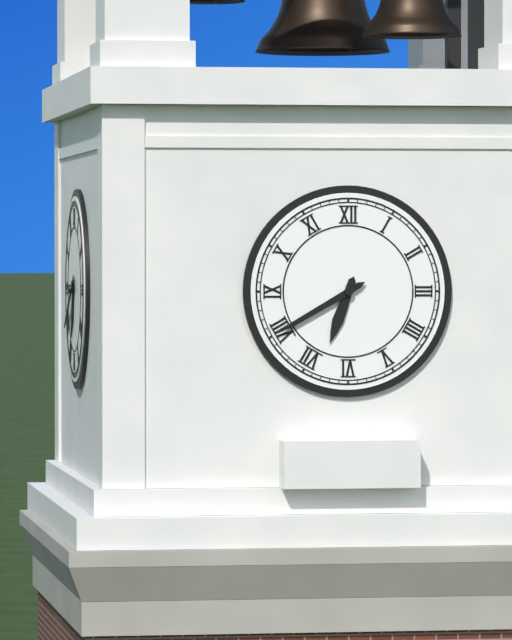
6:40
